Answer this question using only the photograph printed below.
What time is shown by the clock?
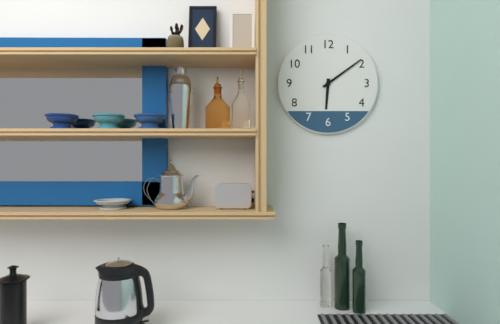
6:09
